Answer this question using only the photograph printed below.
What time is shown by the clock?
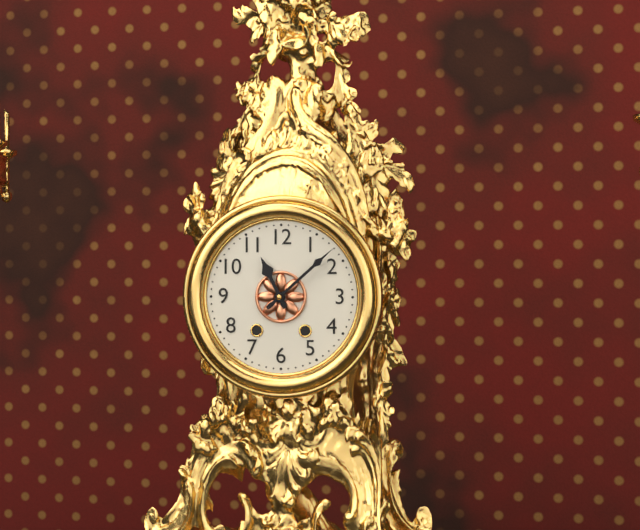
11:08
